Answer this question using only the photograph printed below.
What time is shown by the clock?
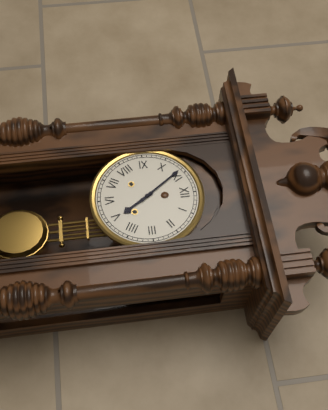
4:54
